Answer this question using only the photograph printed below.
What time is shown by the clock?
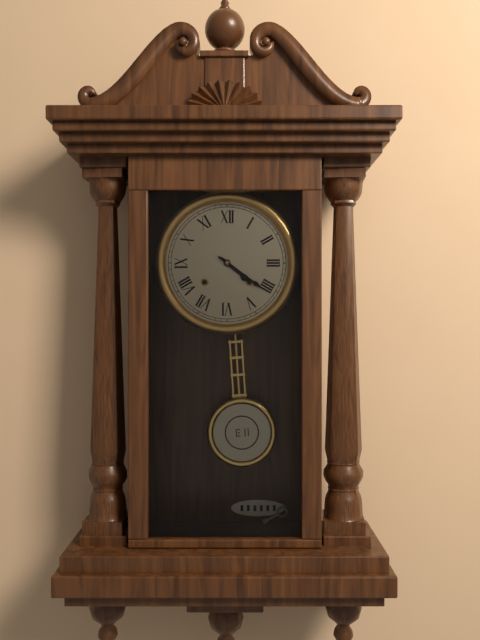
4:21
